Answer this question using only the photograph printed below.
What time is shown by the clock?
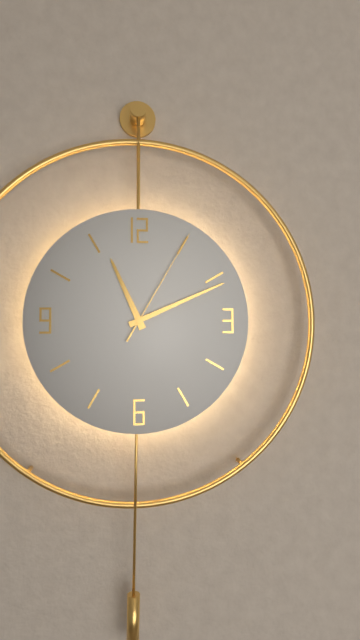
11:11:05
